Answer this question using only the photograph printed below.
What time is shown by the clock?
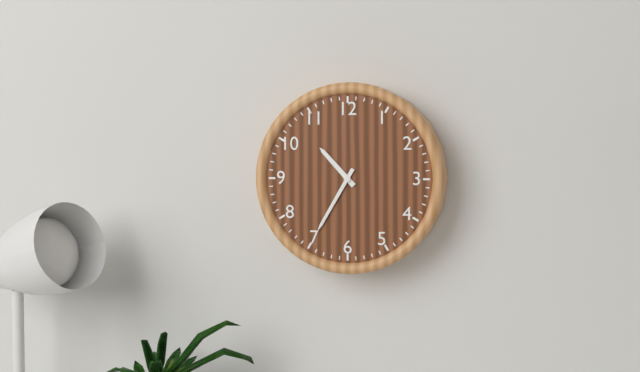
10:35
